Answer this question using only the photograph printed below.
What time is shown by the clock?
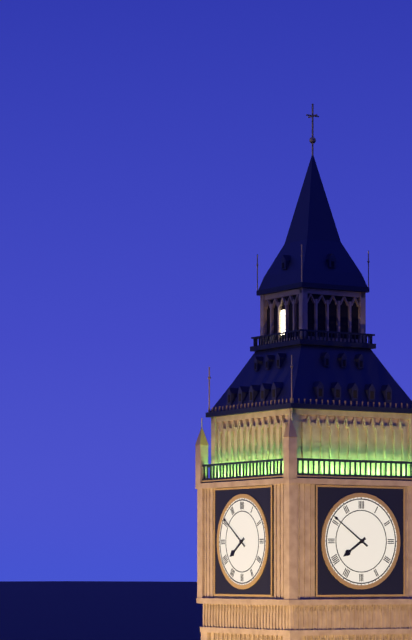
7:51
